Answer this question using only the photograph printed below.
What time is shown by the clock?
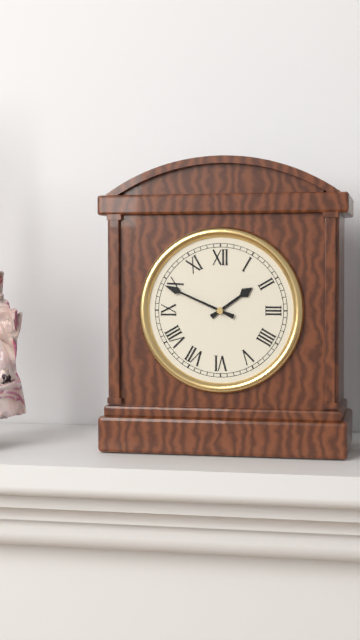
1:49
